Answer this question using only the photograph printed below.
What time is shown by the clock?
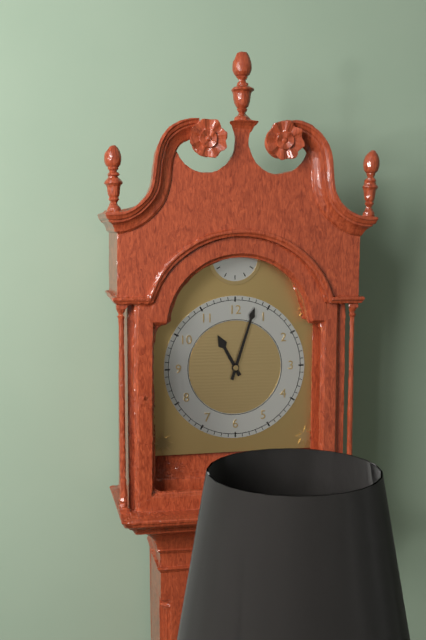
11:03
